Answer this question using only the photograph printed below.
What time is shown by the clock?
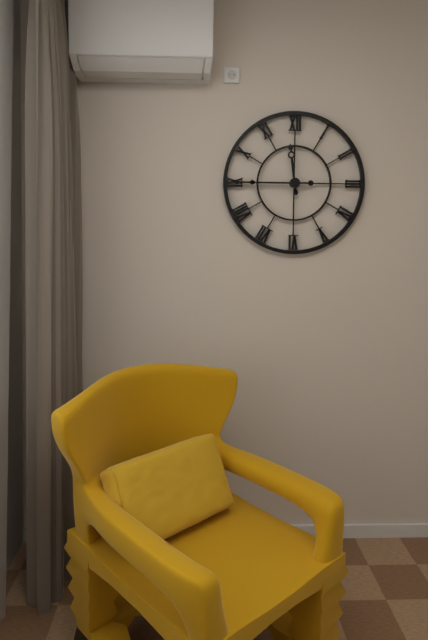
11:45
